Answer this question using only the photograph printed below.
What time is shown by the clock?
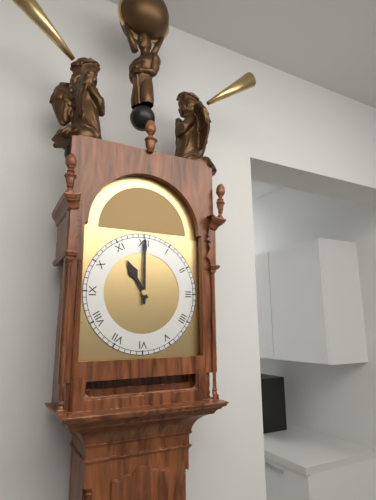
11:00
